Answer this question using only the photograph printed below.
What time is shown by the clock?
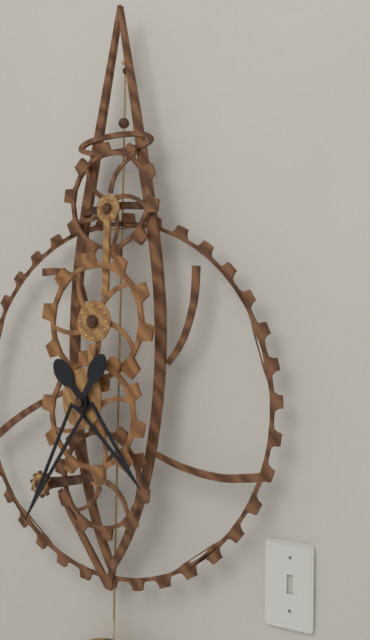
4:35
